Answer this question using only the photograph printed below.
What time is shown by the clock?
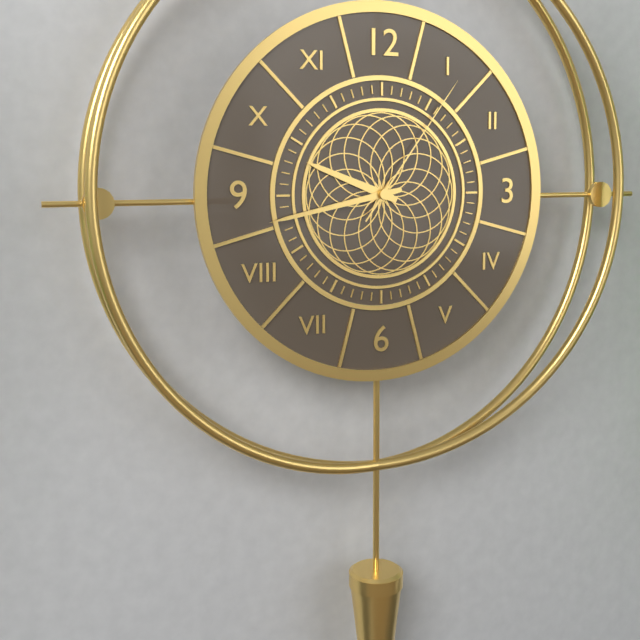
9:43:06
